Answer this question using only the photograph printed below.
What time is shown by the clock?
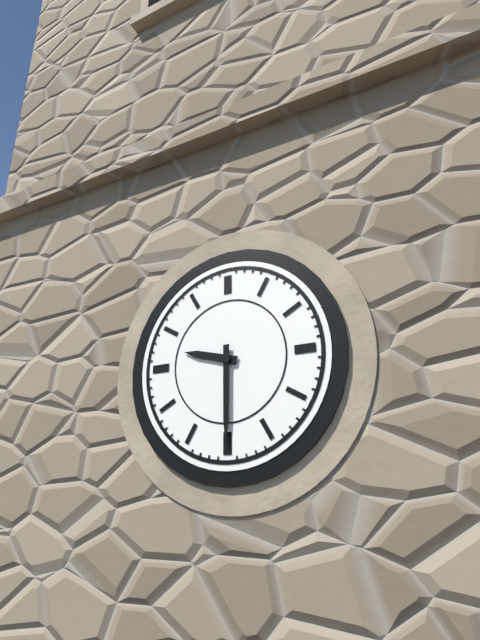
9:30
